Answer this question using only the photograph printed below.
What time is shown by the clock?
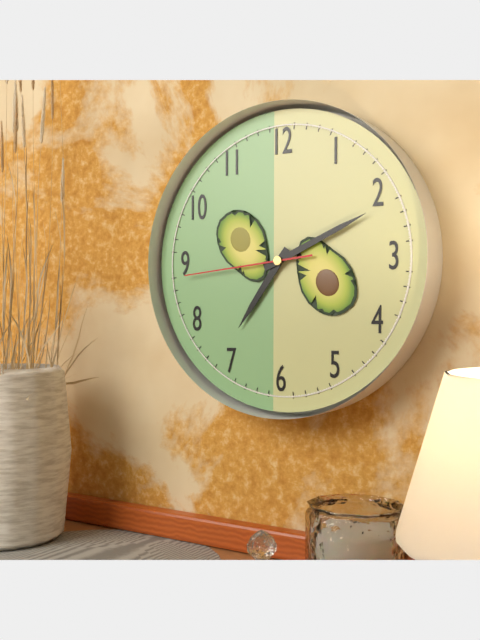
7:11:44
